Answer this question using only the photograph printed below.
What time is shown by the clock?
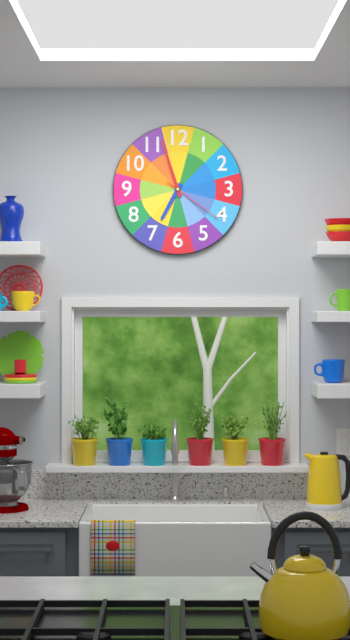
6:57:21
